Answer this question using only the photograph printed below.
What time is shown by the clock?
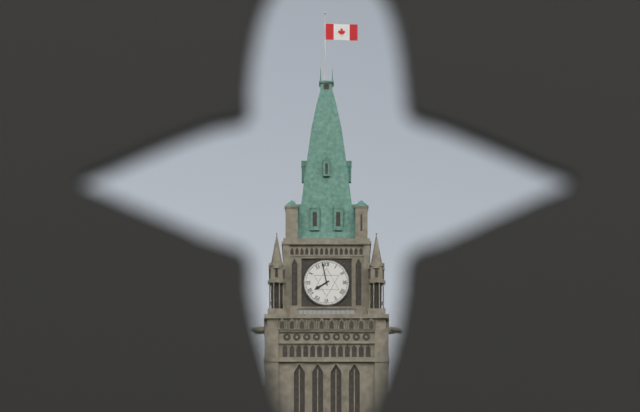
7:58
